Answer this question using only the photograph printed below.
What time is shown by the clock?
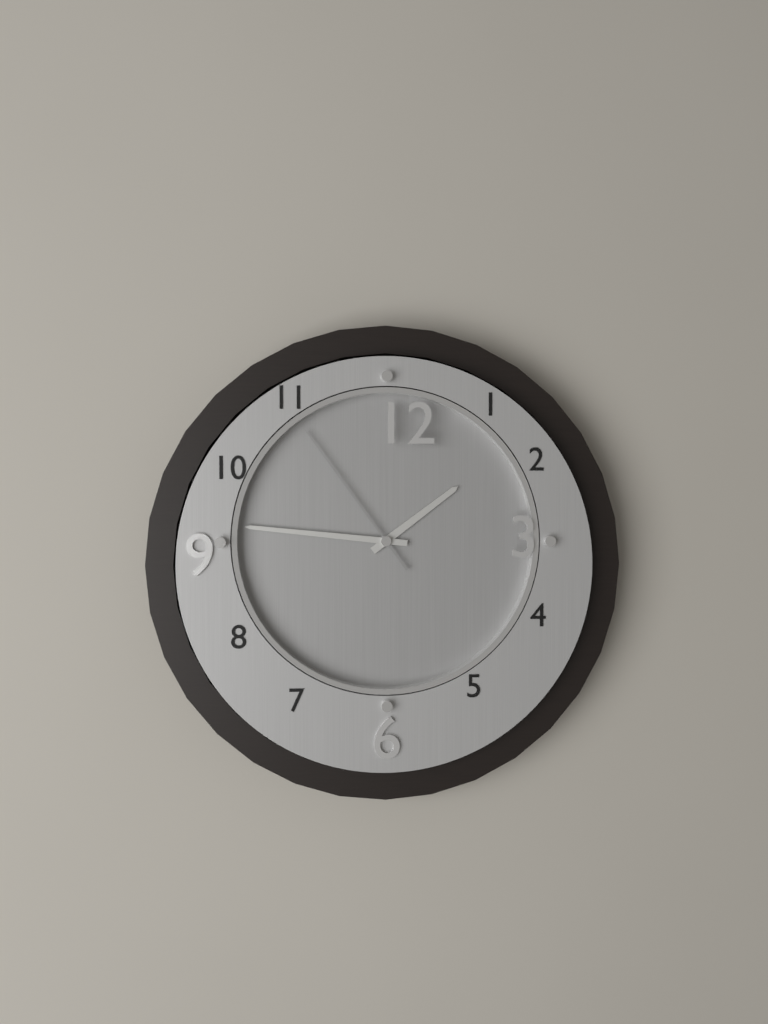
1:46:54
